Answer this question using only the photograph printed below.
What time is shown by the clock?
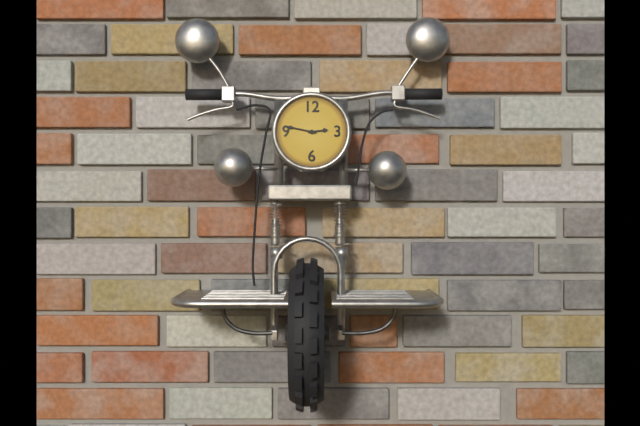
2:47
